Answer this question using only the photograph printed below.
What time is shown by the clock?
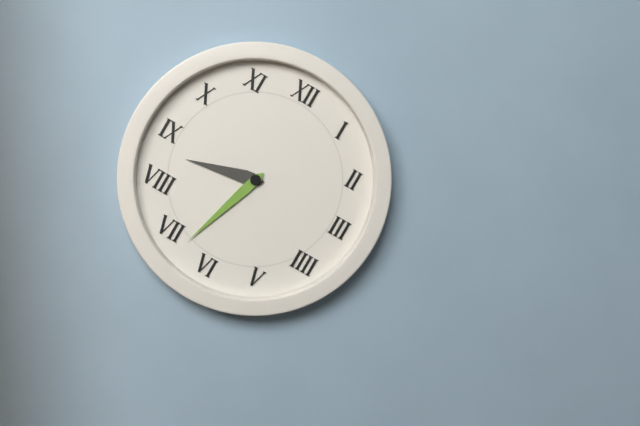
8:33
